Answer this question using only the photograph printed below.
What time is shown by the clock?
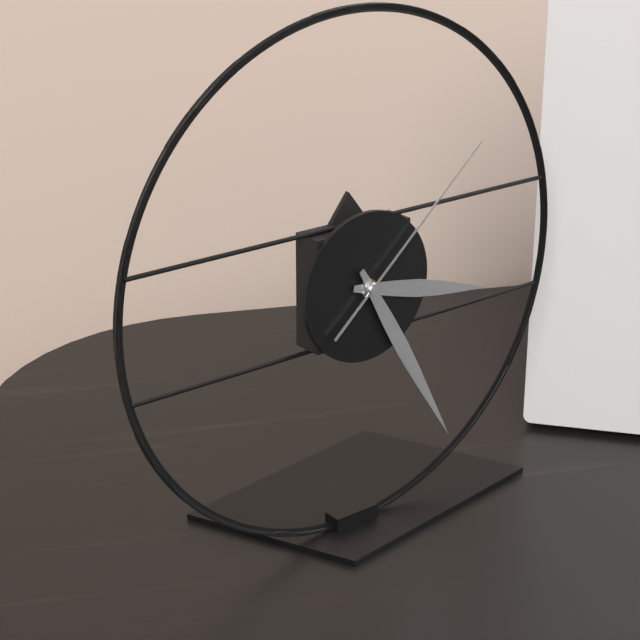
3:25:08
